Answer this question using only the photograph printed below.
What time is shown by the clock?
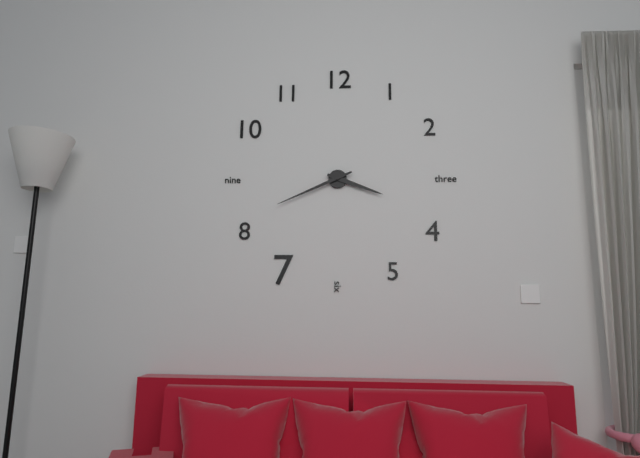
3:41
